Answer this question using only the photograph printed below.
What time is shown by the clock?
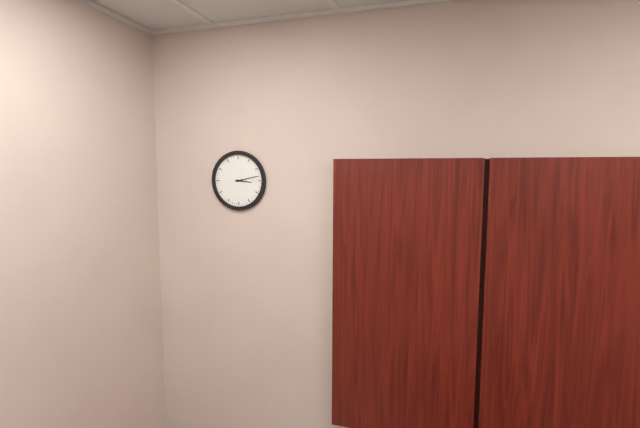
3:13
